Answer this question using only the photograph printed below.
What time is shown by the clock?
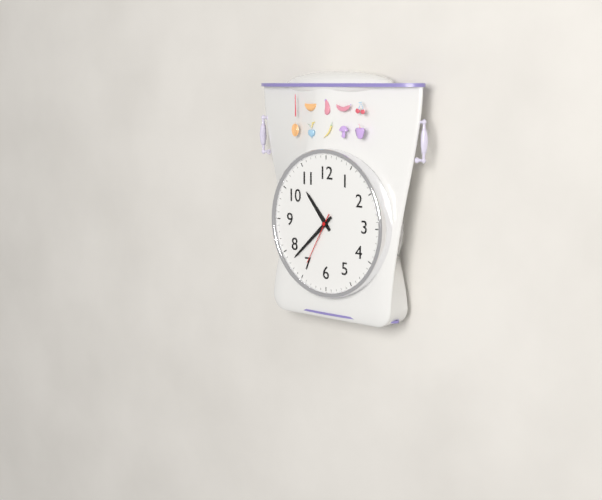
10:38:35
